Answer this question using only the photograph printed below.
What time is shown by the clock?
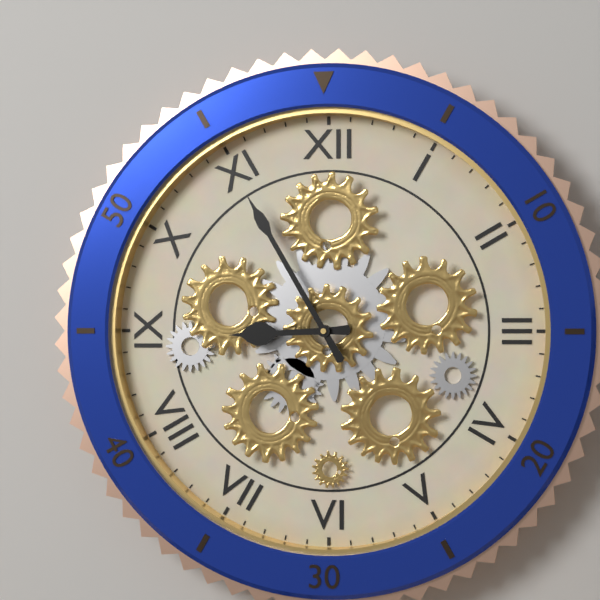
8:55
